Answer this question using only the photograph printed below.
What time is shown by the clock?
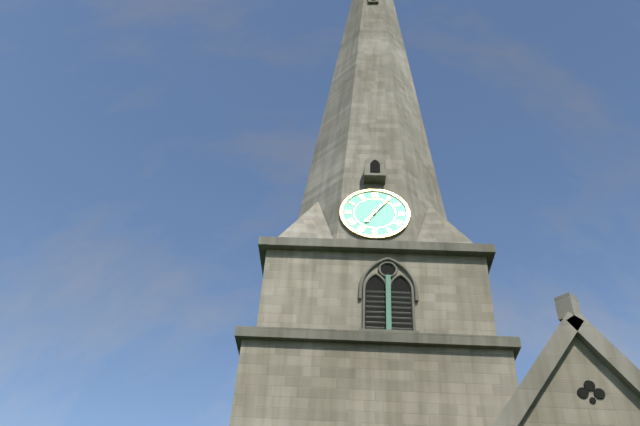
7:06
